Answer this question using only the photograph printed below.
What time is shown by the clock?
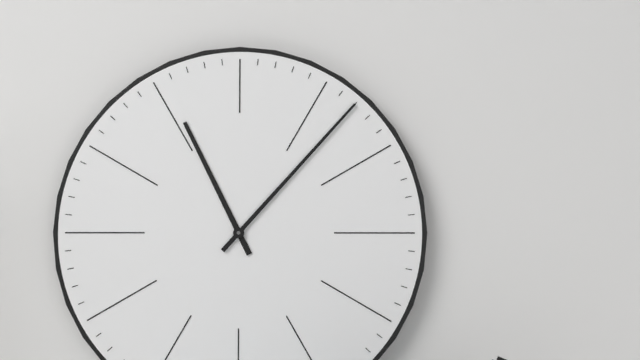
11:07
